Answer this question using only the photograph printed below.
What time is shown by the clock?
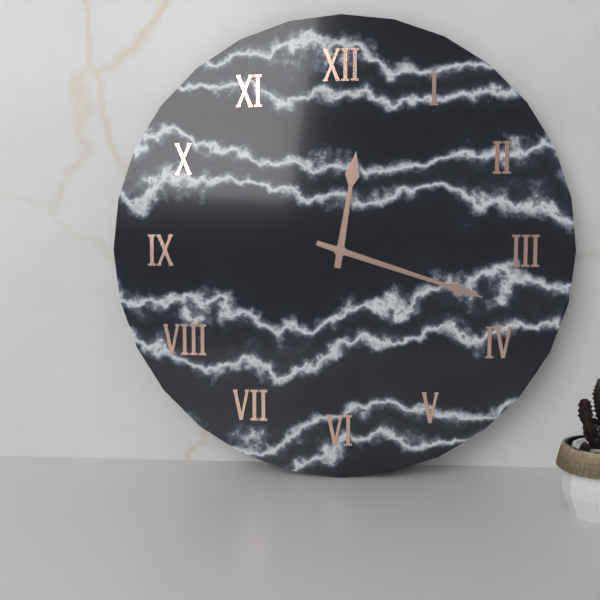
12:18
